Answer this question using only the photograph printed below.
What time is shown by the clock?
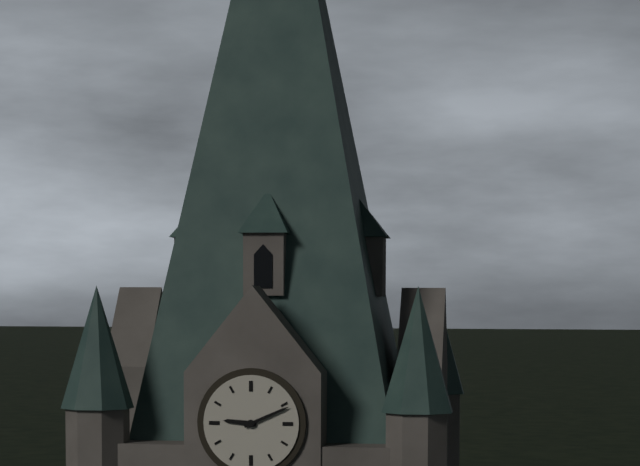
9:11
